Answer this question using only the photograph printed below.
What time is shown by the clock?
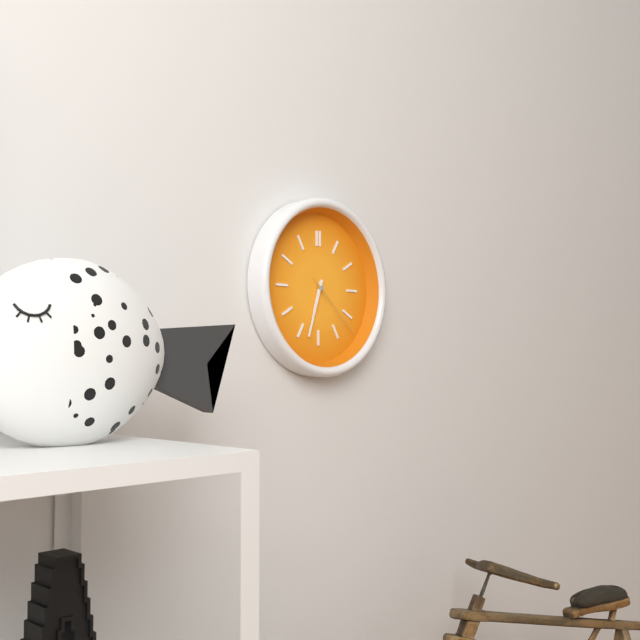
6:33:22
